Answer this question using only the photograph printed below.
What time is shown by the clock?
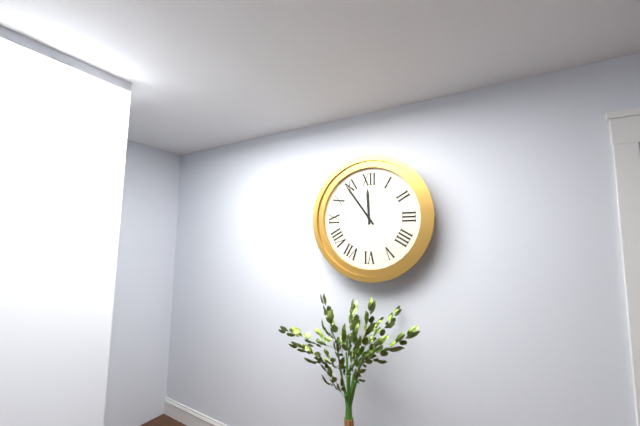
11:54
